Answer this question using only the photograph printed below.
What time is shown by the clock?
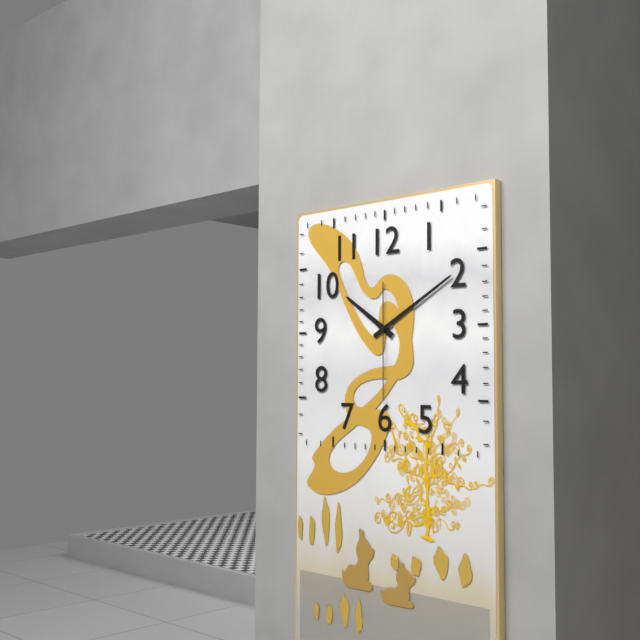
10:10:30
